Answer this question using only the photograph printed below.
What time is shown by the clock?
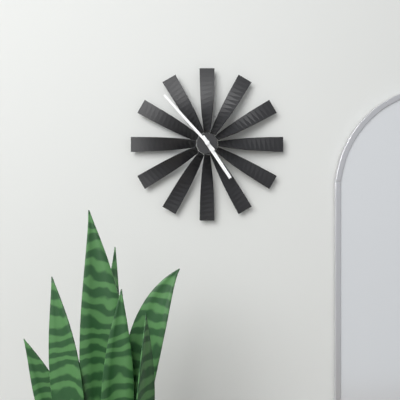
4:53
